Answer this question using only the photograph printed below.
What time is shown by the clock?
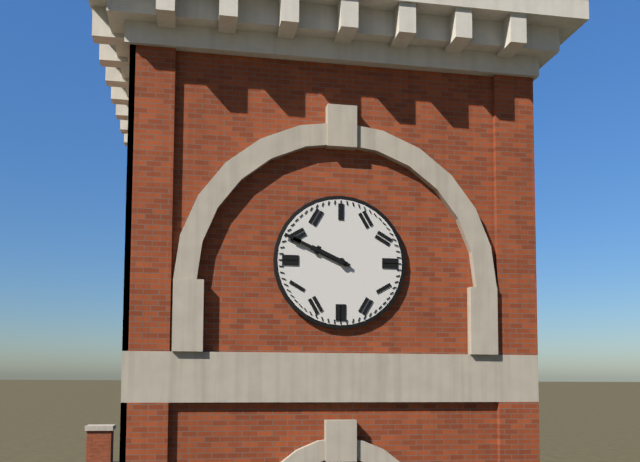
9:49
